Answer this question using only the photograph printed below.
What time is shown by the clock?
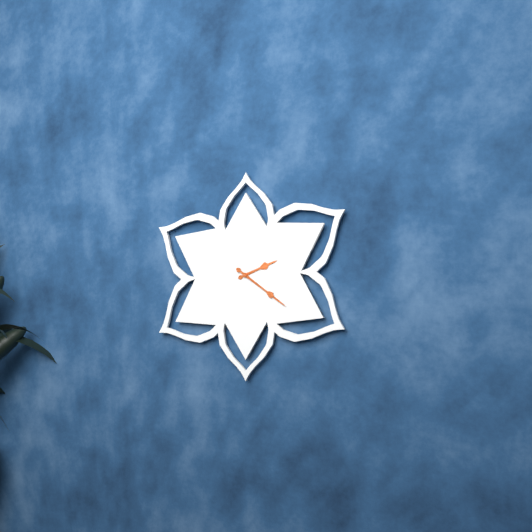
2:21
